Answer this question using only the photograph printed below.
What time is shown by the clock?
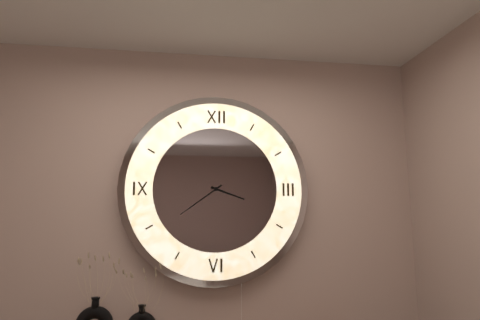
3:39
